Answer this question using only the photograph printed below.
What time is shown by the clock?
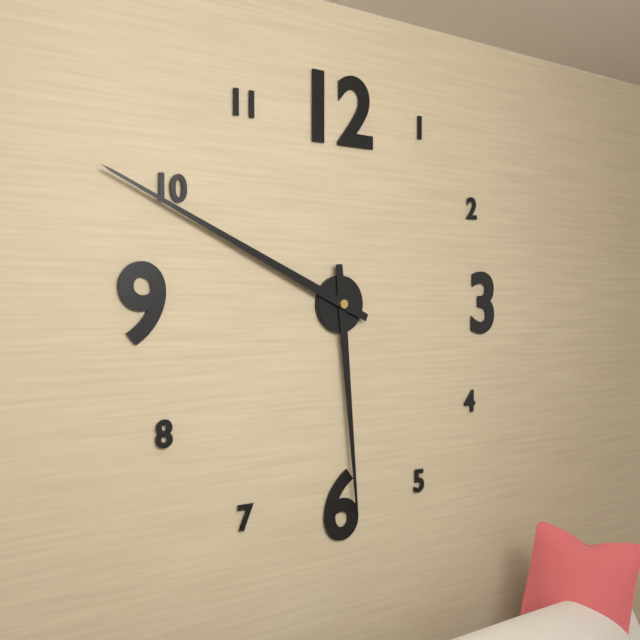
5:49
